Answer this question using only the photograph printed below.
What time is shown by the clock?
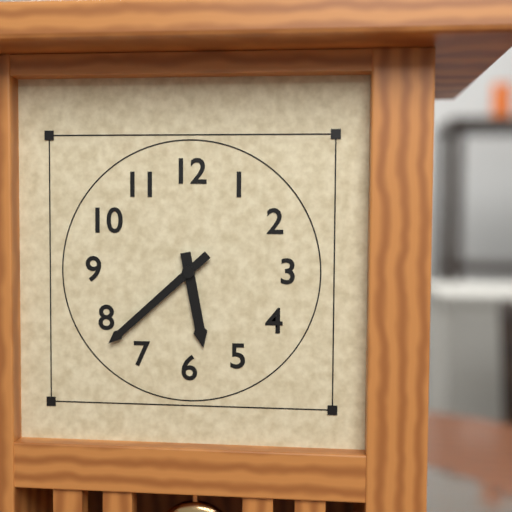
5:38
